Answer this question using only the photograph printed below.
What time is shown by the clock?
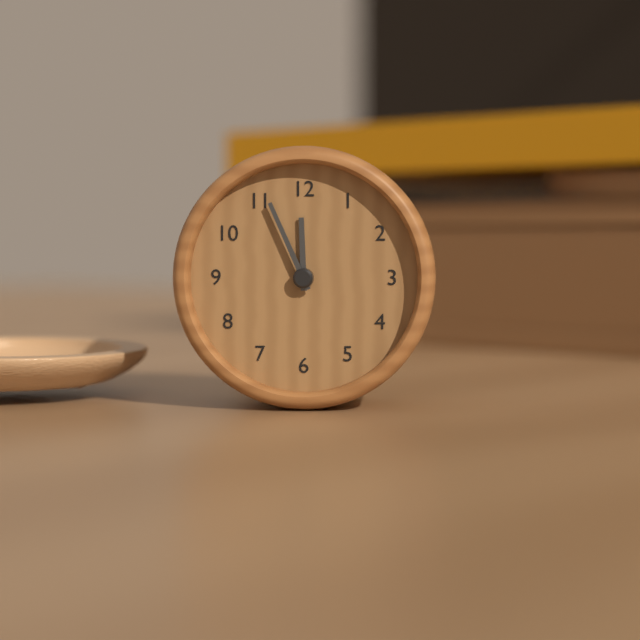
11:56
